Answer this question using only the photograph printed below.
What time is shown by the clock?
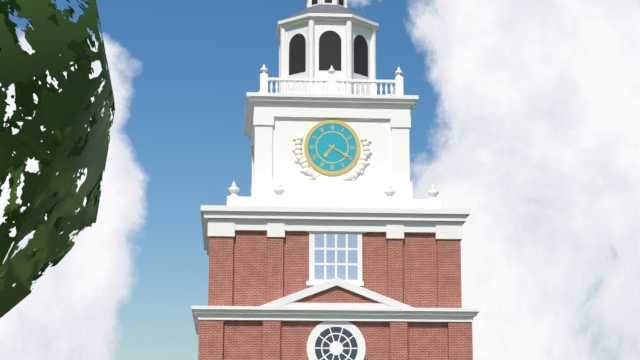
7:20
